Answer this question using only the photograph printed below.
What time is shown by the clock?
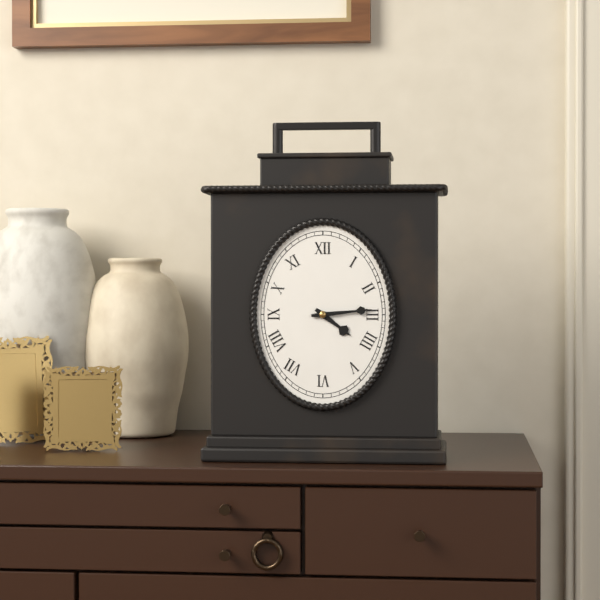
4:14
